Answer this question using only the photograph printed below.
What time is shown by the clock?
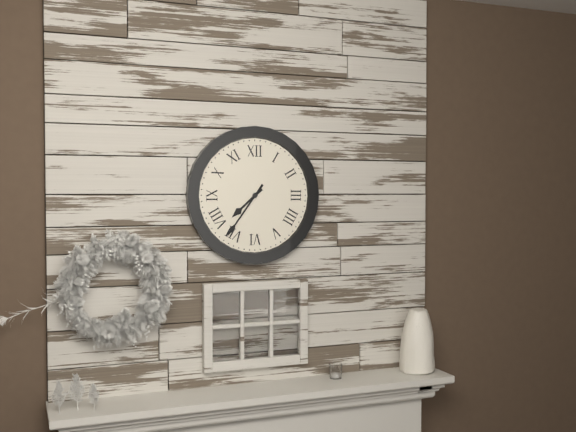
7:36
